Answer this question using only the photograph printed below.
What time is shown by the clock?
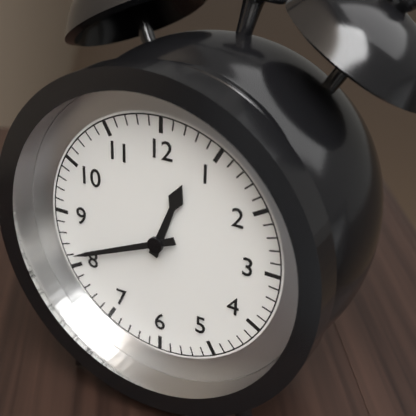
12:41
